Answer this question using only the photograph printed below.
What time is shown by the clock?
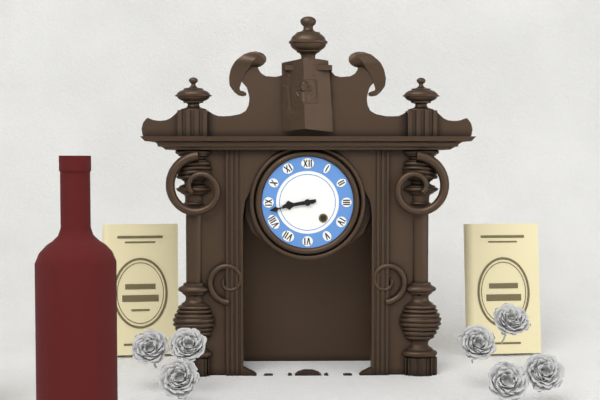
8:43
